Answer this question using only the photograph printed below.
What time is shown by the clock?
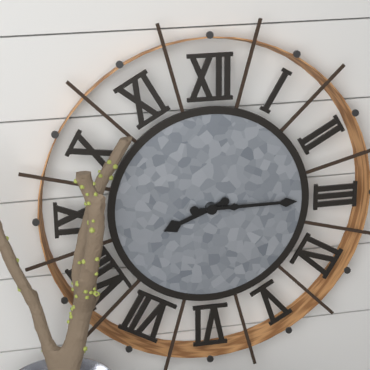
8:15
